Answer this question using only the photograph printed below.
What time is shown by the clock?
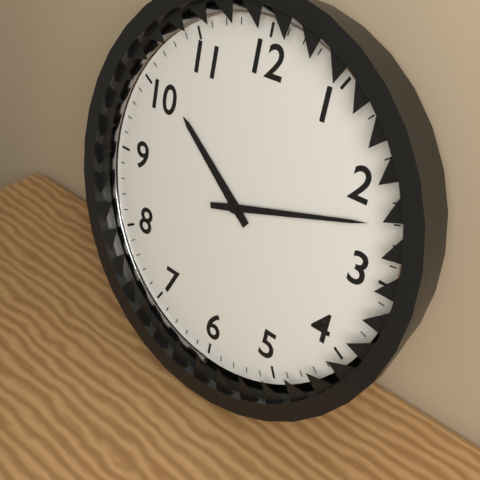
10:12
